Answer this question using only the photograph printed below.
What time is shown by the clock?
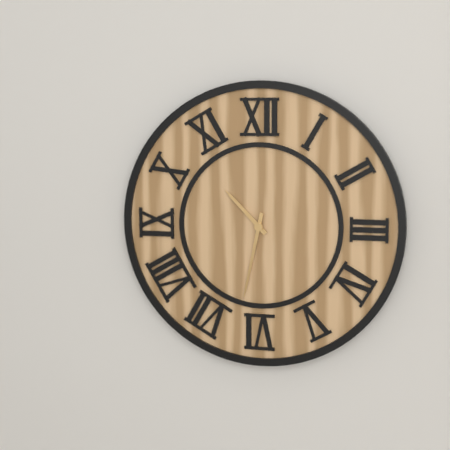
10:32
